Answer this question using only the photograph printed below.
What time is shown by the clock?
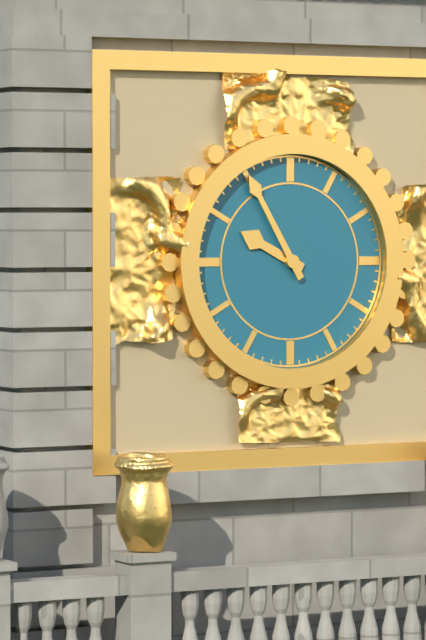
9:55
